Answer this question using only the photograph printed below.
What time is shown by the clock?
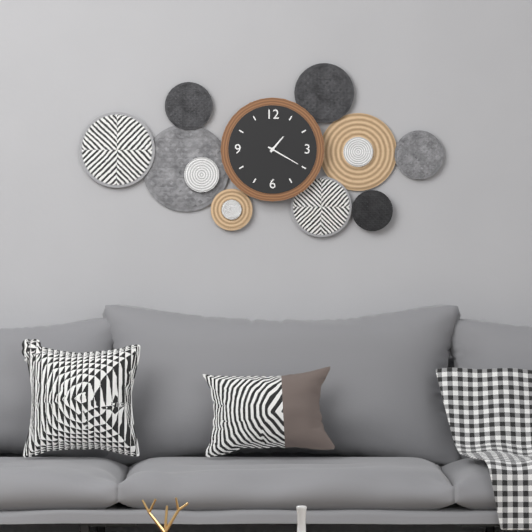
1:20
